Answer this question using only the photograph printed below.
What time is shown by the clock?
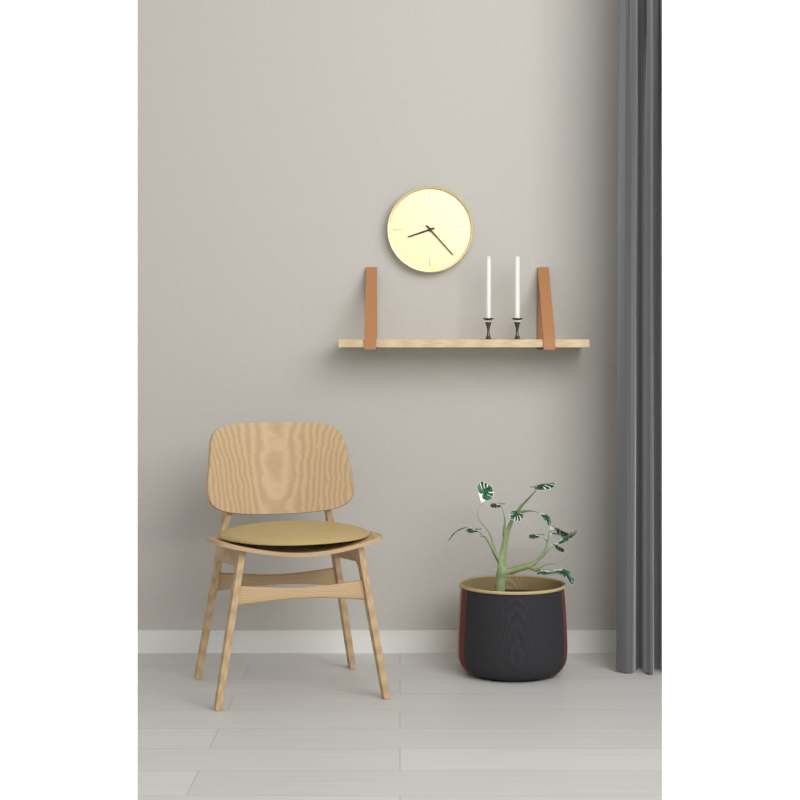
8:23
